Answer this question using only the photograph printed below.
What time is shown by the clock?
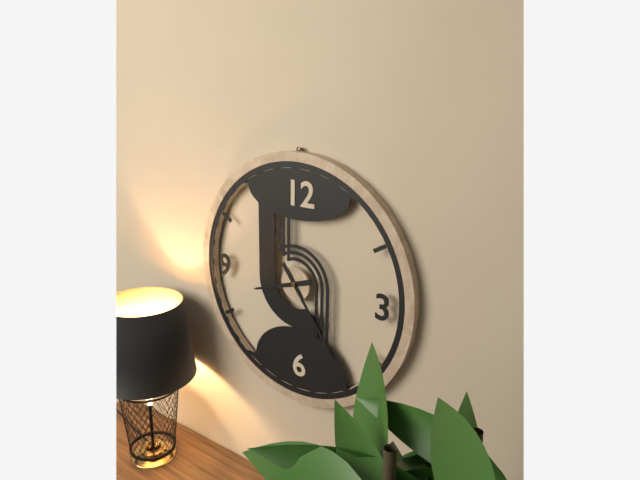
8:24
